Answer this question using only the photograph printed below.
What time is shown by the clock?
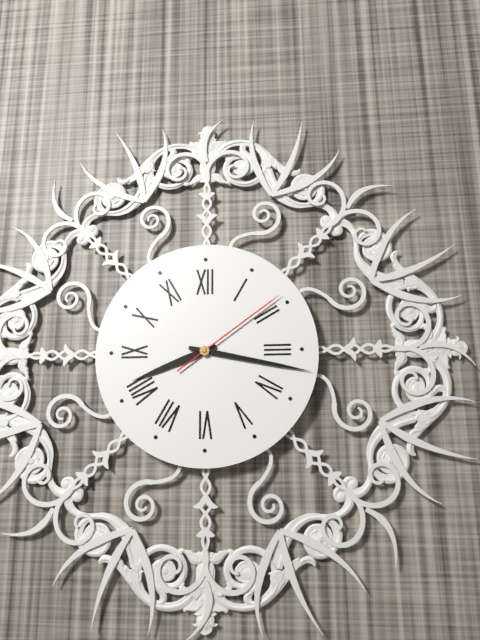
8:17:09
